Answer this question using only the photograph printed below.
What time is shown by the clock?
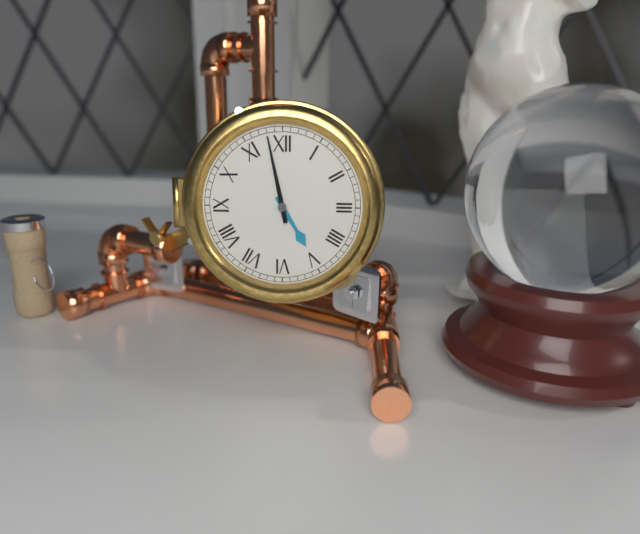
4:58
